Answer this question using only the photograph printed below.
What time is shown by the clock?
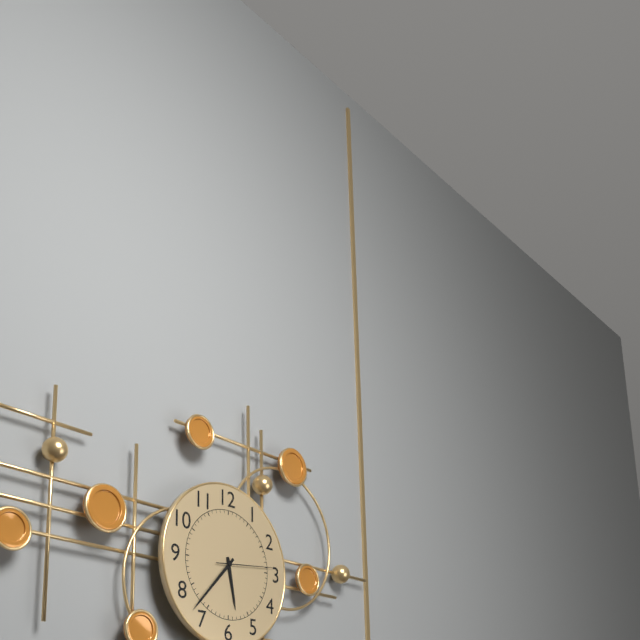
5:37:14
